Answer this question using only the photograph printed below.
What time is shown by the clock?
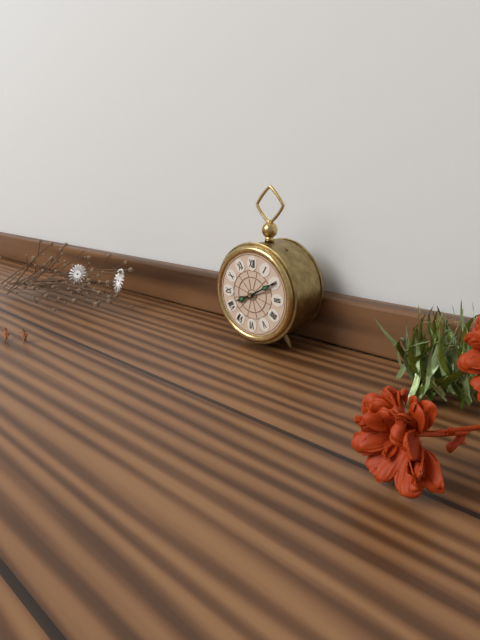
8:10
